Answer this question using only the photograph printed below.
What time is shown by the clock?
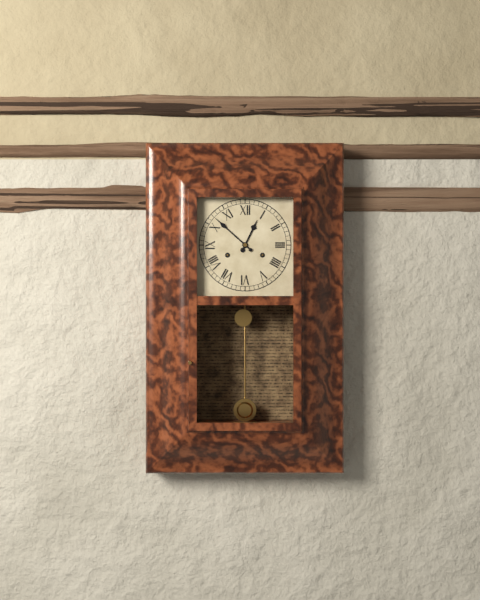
12:52
